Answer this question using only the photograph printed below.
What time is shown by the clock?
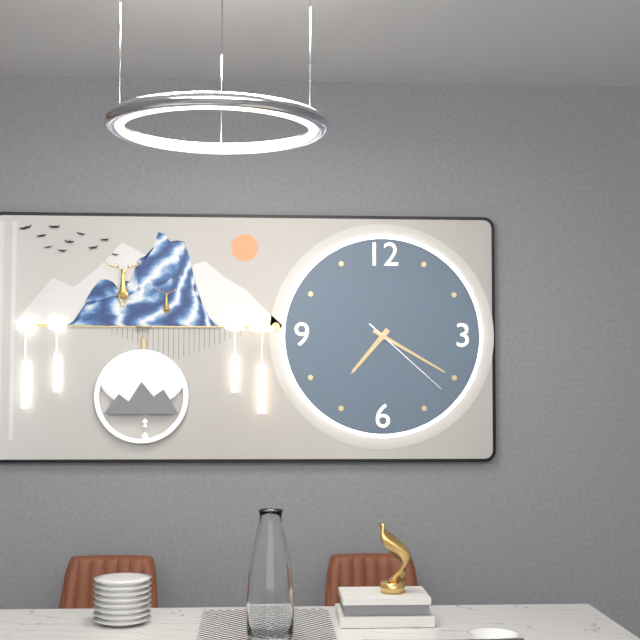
7:20:22
